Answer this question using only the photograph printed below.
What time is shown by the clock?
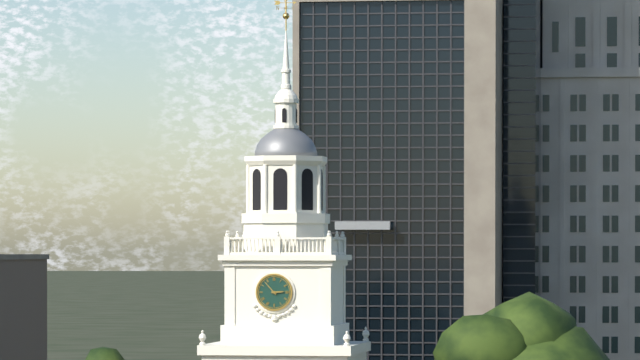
2:53
